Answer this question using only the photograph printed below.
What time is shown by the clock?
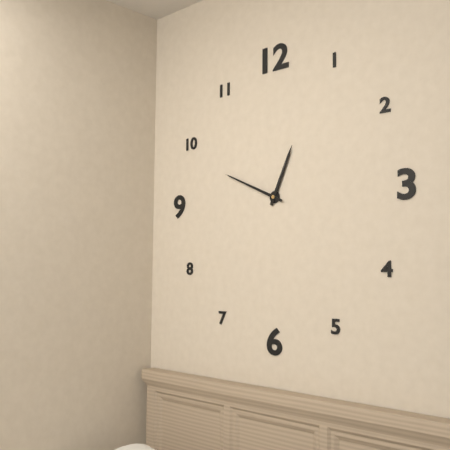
12:49
